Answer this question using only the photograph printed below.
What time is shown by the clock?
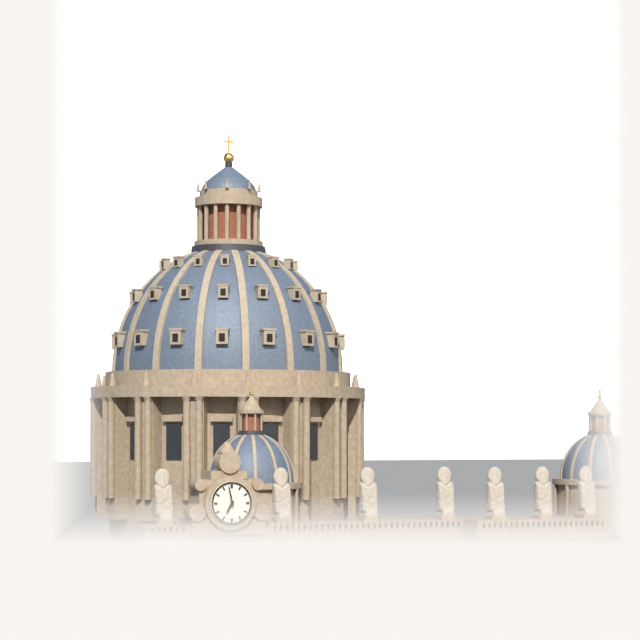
6:58
